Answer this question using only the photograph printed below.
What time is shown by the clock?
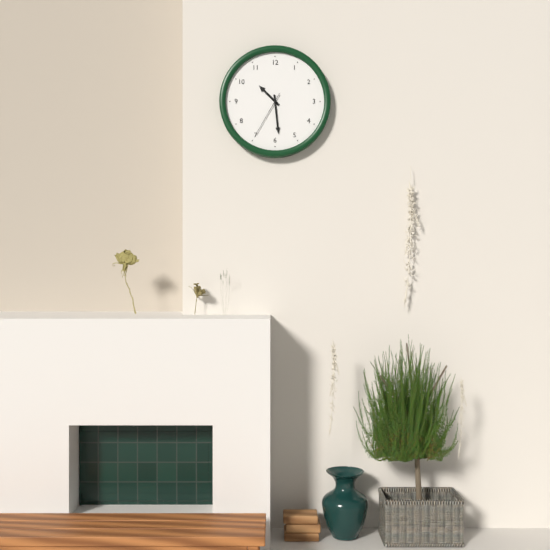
10:29
